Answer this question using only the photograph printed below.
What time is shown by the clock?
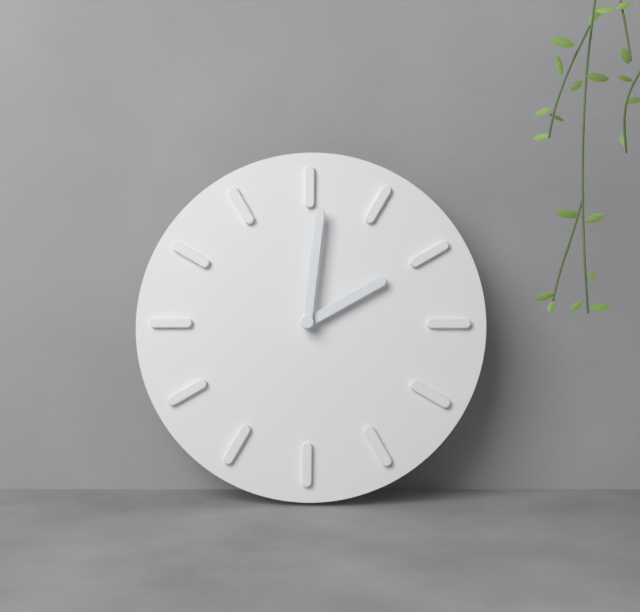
2:01
